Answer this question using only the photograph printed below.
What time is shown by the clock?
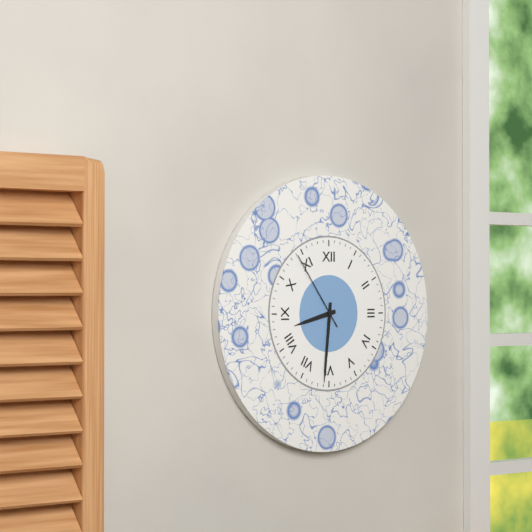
8:31:54
